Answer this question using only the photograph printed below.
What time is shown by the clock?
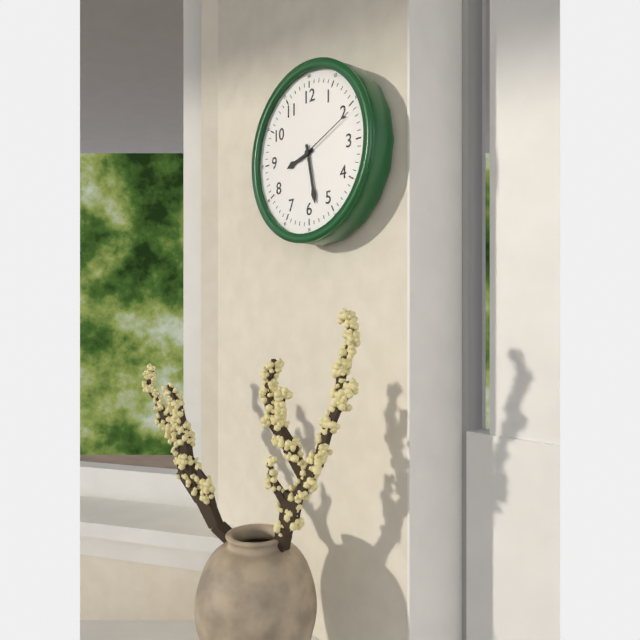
8:28:11
